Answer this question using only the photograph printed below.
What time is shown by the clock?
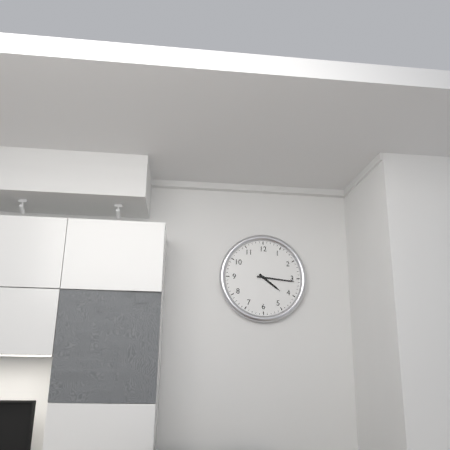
4:16
